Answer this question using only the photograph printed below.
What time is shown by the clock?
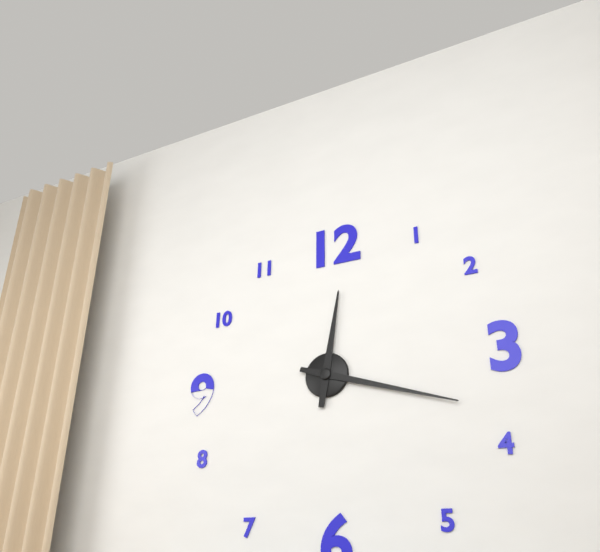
12:18
